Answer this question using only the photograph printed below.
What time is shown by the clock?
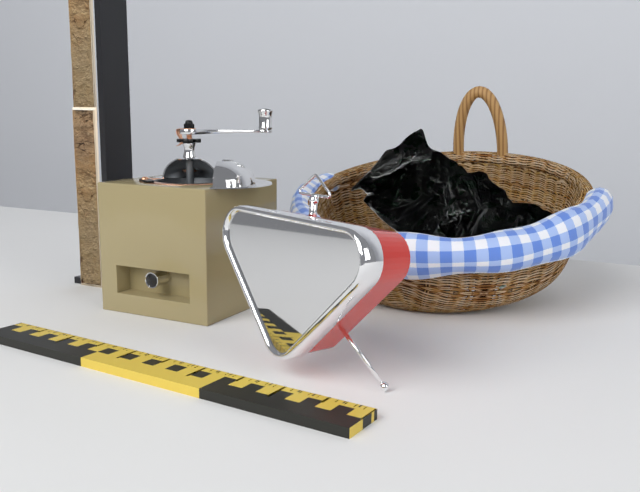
7:41
